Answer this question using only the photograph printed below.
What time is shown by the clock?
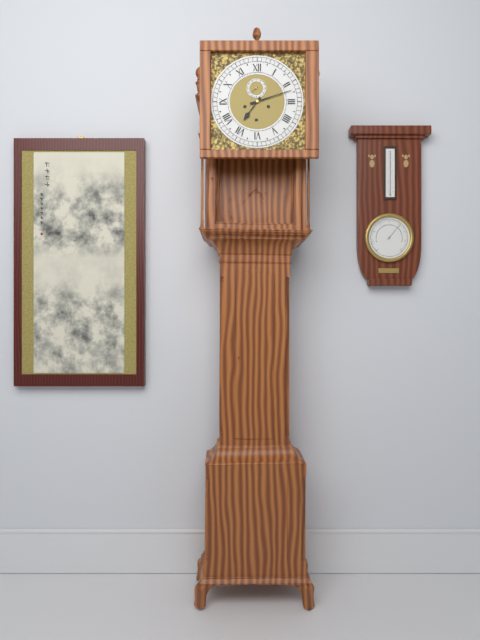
7:12
